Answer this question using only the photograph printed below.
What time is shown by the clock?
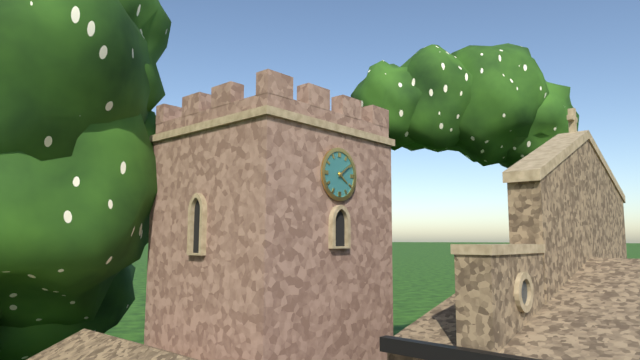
4:09
